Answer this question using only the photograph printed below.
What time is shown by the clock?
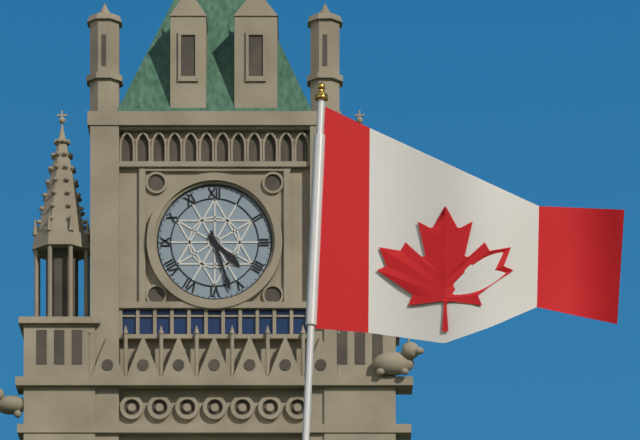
4:27
